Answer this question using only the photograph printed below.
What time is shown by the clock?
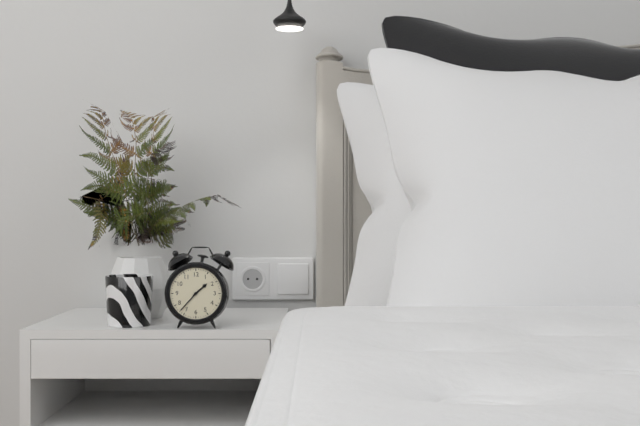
1:37
